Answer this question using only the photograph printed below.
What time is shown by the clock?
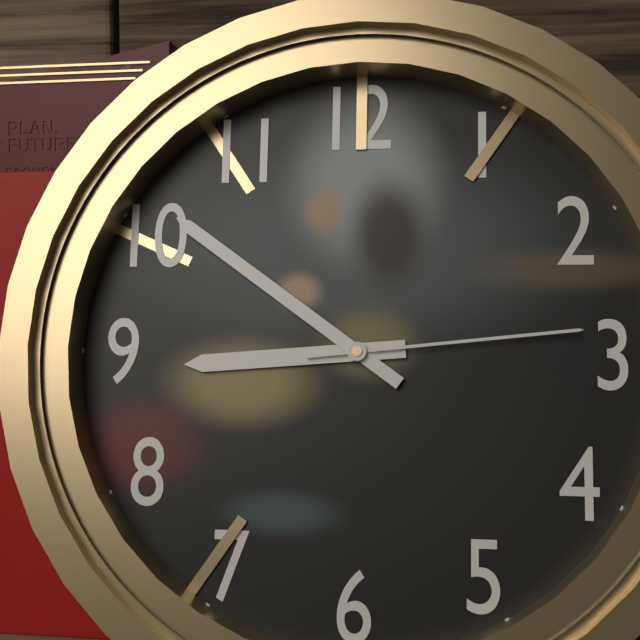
8:51:14
